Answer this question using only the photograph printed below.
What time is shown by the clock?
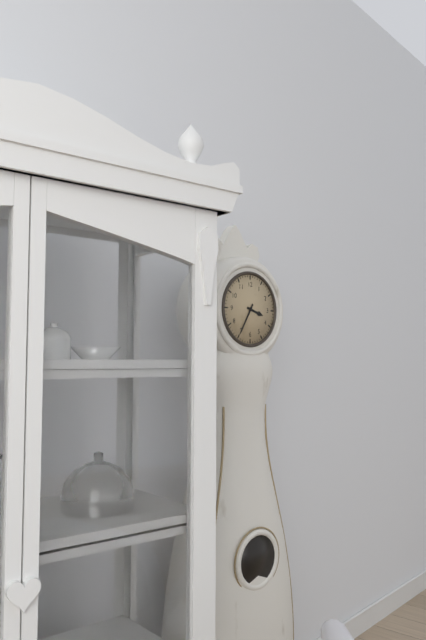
3:35
